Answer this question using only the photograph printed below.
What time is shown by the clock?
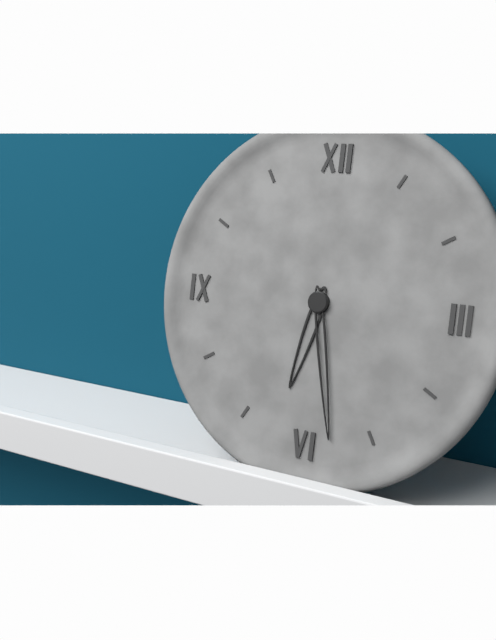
6:28
